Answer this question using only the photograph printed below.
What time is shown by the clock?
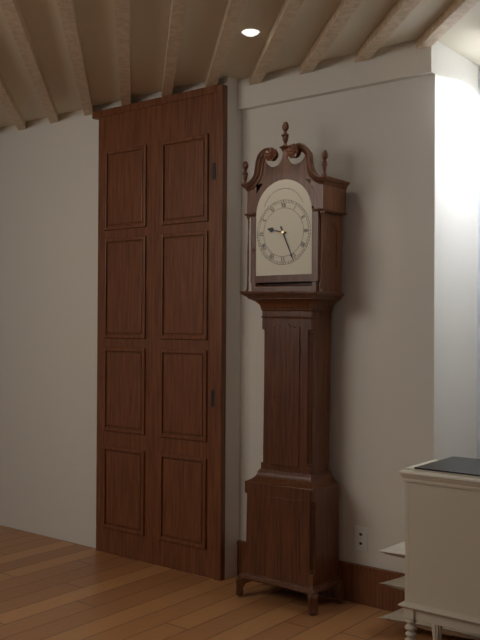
9:26
